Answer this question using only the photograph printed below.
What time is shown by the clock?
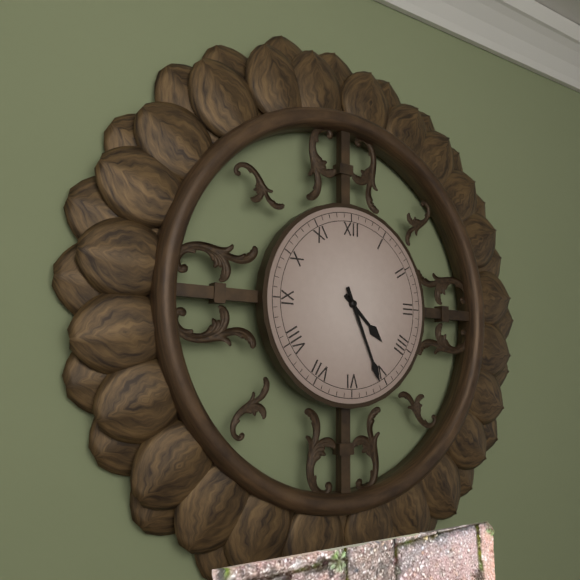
4:26
